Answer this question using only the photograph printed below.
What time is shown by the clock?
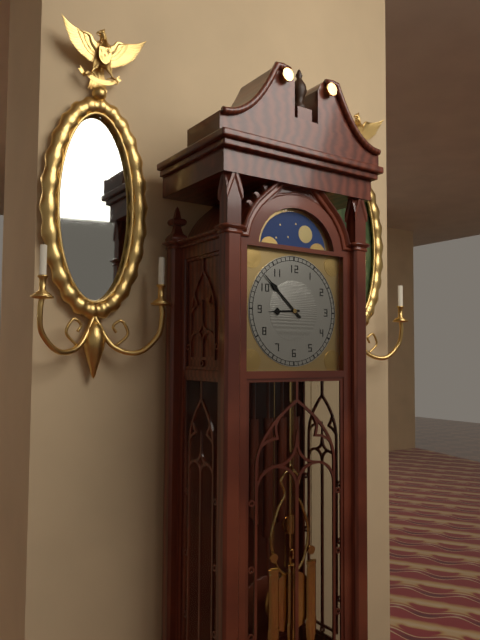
8:52
